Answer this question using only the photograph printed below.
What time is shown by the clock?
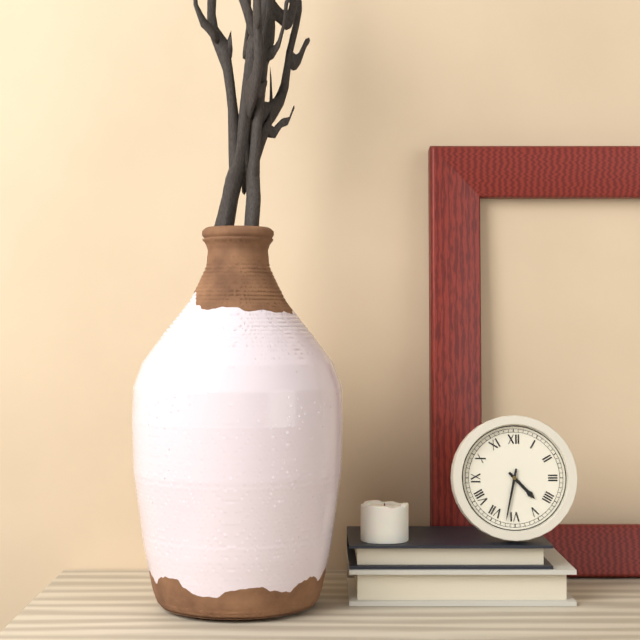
4:32
